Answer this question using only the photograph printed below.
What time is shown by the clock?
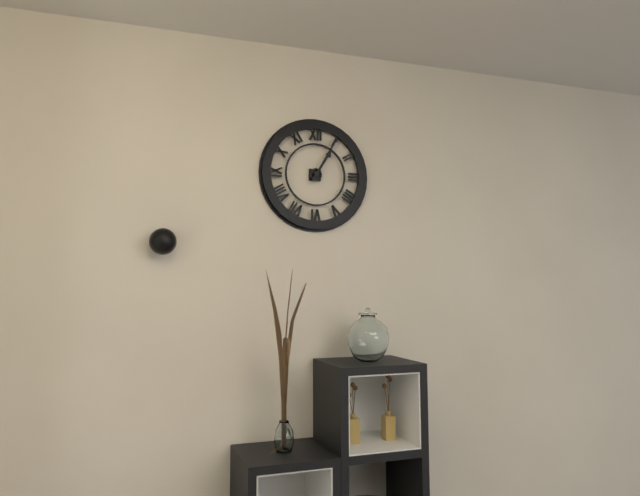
1:05
